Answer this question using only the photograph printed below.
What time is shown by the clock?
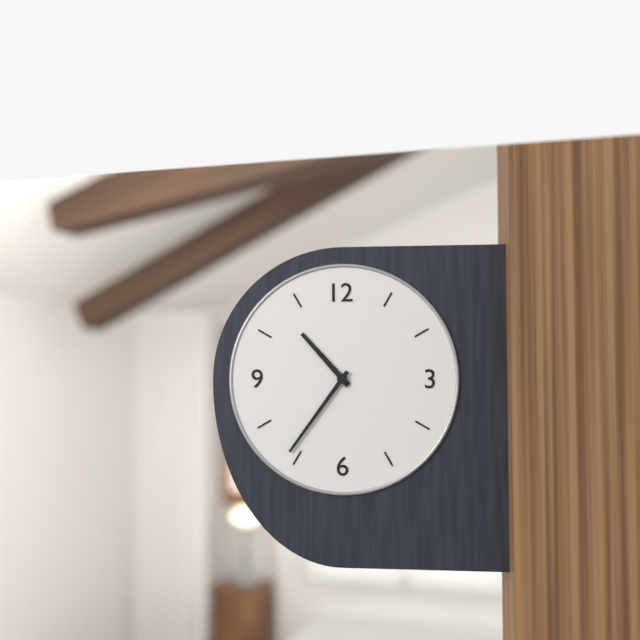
10:36
